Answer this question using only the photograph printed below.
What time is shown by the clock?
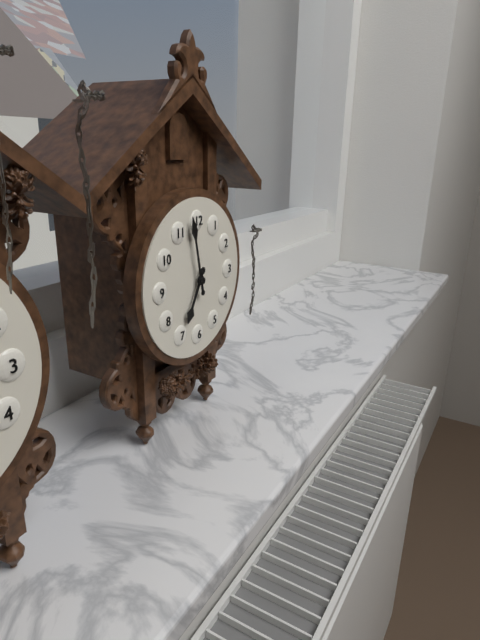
6:58
